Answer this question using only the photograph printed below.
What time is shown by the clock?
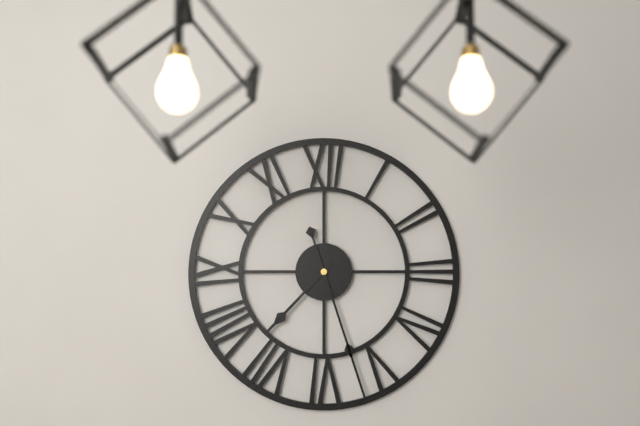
7:27
